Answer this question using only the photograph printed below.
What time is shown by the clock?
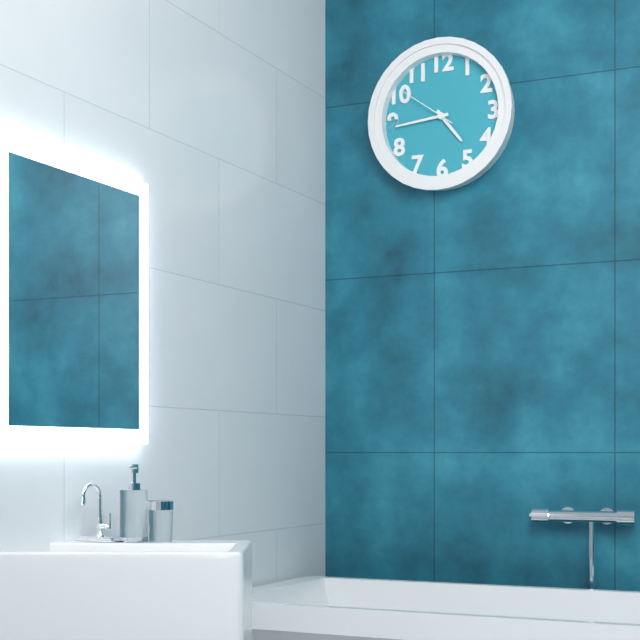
4:44:51
